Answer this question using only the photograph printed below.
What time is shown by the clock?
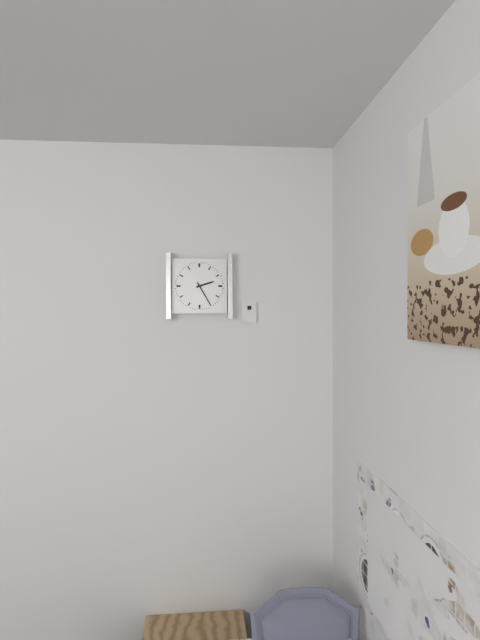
2:25
